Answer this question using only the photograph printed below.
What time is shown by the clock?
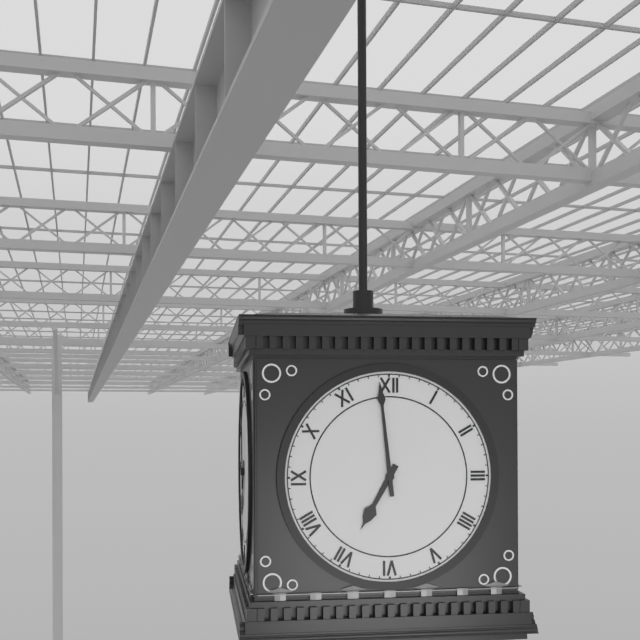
6:59
